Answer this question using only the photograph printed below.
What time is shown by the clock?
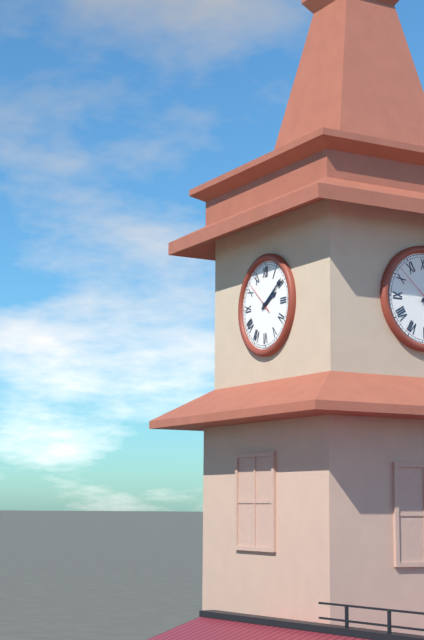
2:09
